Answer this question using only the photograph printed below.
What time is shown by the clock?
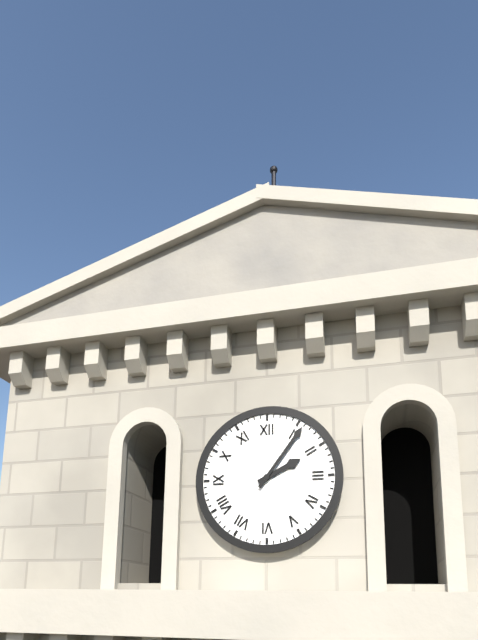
2:06
